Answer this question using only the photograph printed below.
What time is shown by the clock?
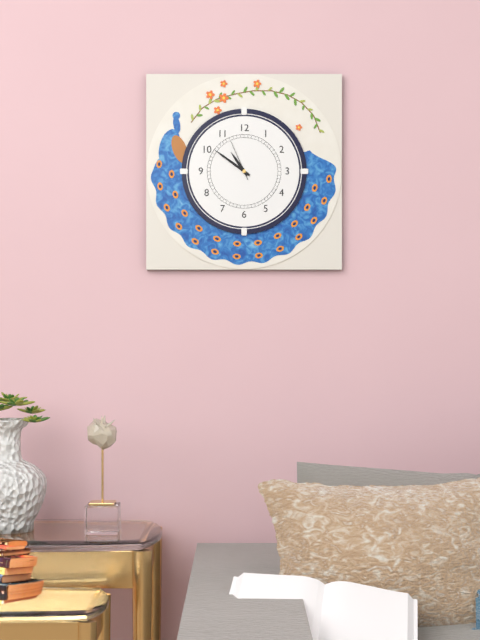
10:51
